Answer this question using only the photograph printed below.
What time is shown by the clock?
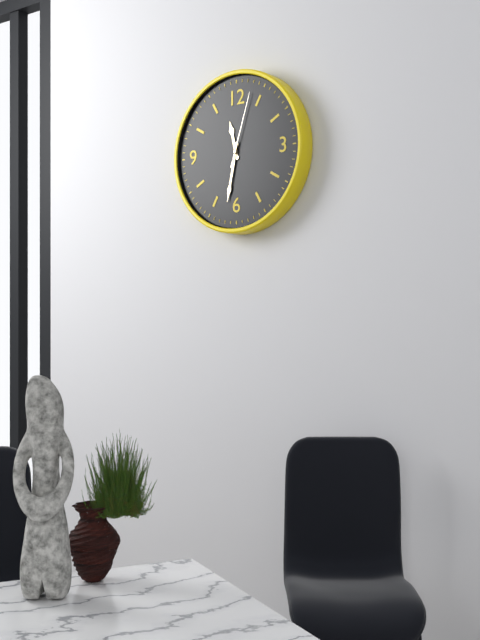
11:32:03
